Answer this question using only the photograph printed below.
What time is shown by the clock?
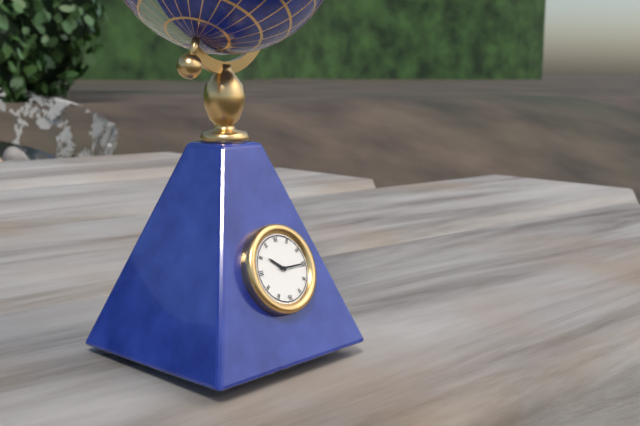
10:15
